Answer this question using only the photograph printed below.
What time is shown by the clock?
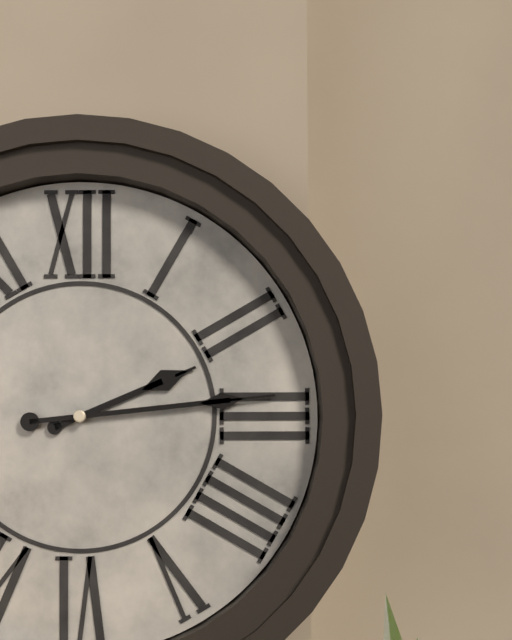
2:14
